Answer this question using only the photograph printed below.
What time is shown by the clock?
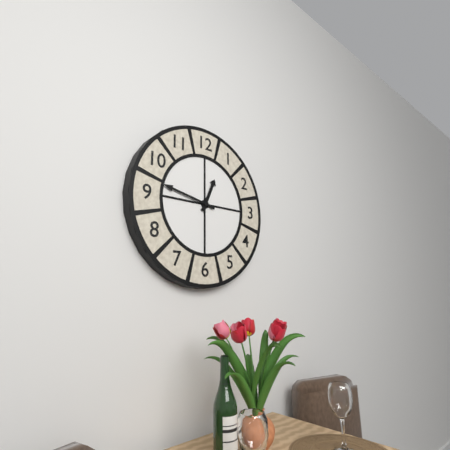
12:47
